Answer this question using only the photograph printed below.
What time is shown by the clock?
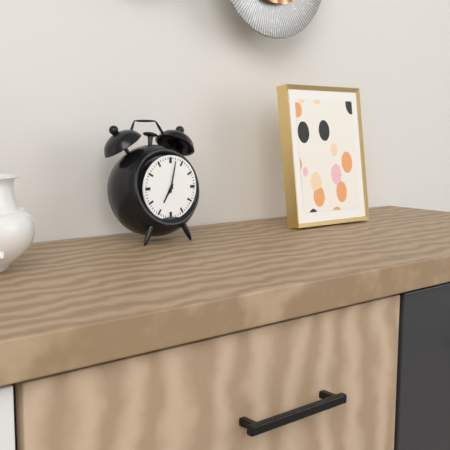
7:02
